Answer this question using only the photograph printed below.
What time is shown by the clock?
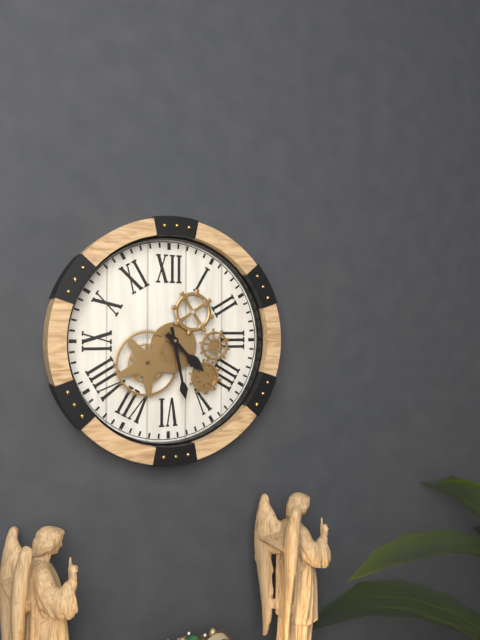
4:28
